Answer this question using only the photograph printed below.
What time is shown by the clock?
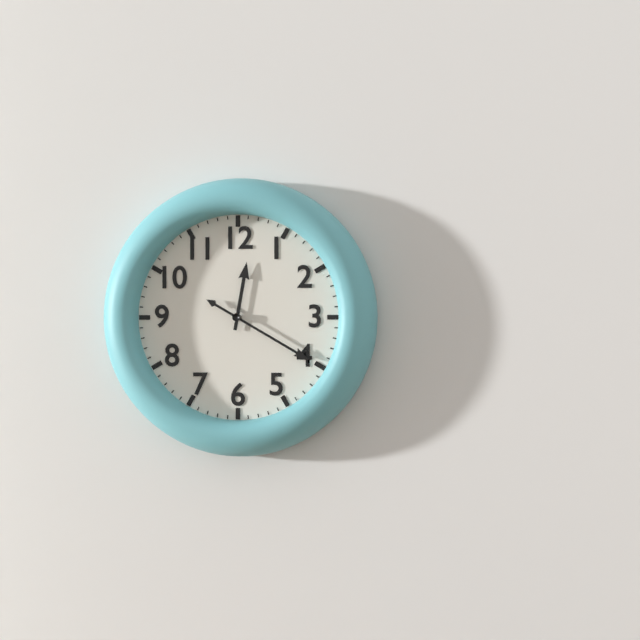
12:20
